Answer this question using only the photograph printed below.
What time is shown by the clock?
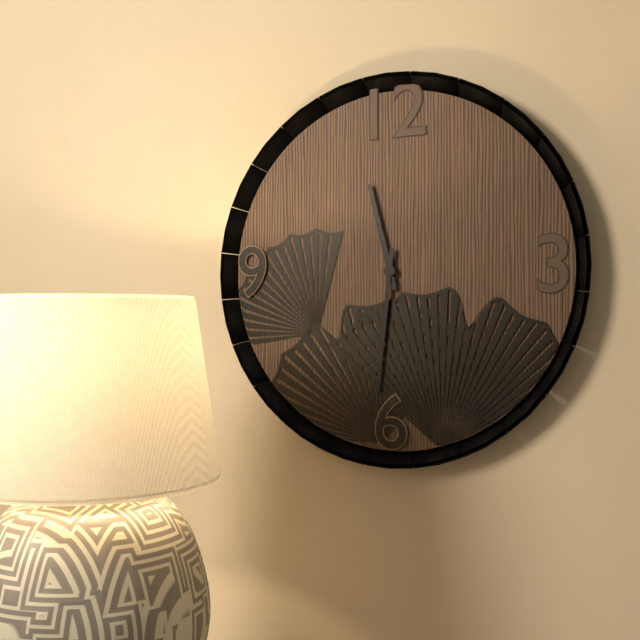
11:31
